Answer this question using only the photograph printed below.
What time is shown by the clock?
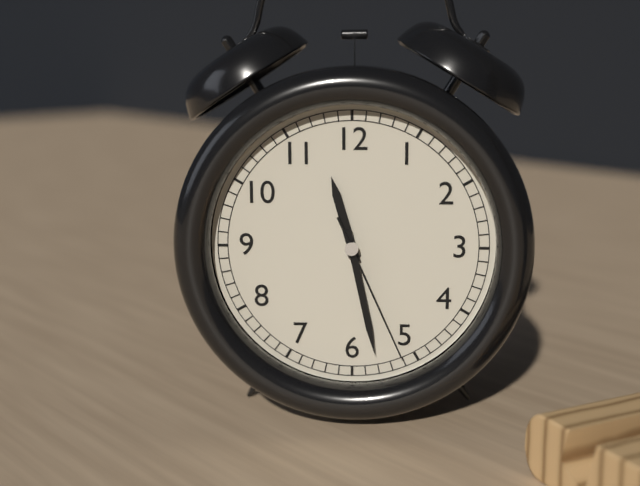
11:28:26
